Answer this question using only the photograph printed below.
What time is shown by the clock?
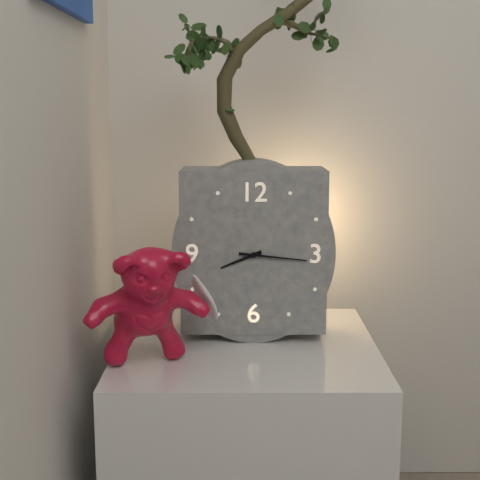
8:16
